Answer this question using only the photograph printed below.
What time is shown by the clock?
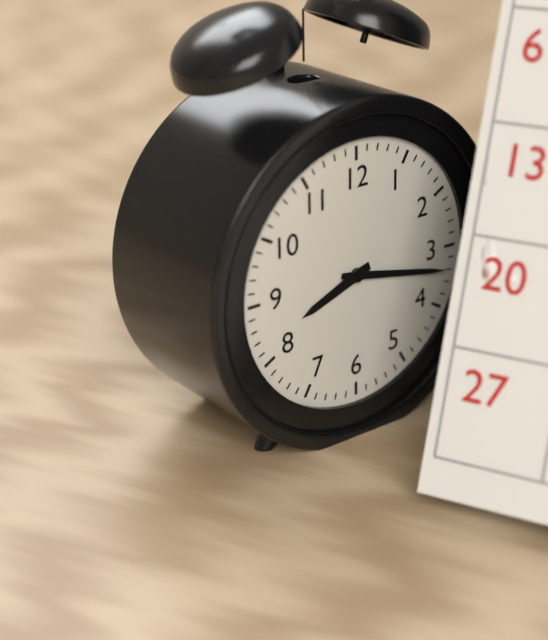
8:17
